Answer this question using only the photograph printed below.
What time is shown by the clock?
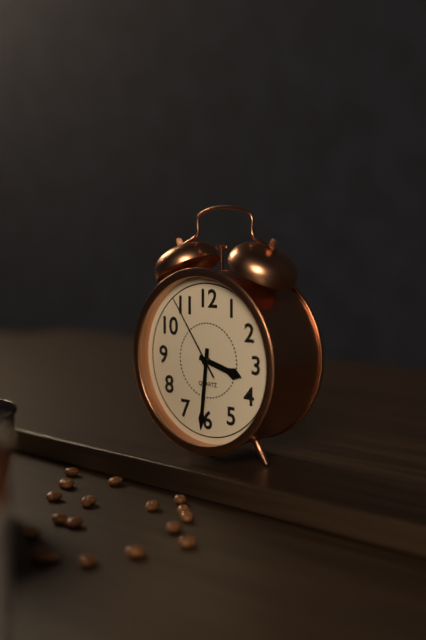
3:31:54
